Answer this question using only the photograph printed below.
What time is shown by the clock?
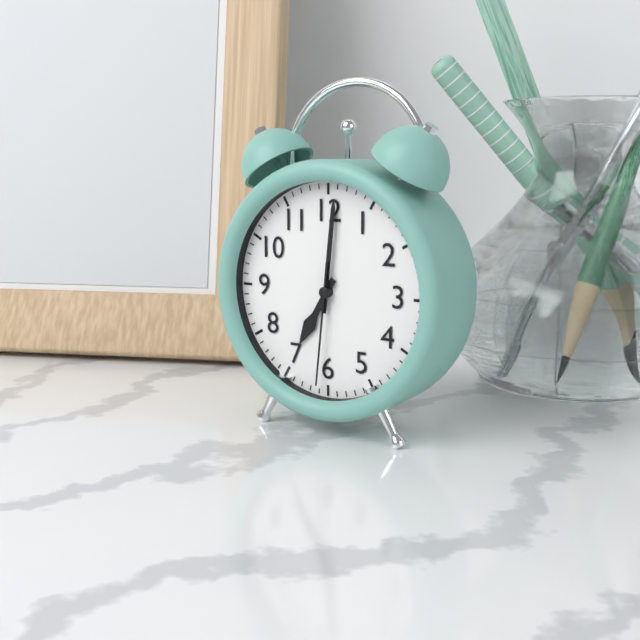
7:01:31
